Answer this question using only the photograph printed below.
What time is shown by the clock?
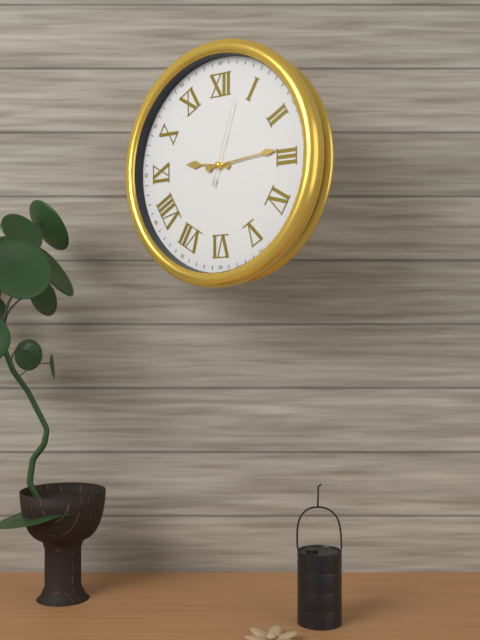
9:14:03
